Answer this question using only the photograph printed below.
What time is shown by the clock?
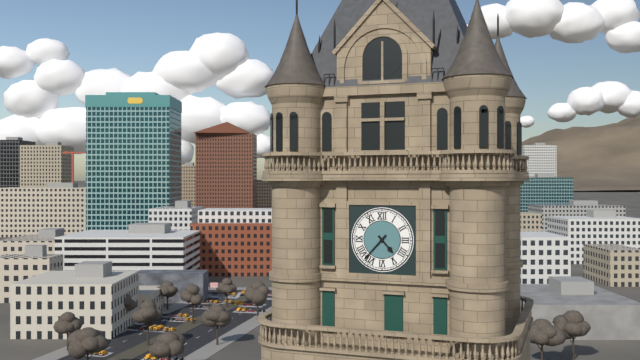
4:37
